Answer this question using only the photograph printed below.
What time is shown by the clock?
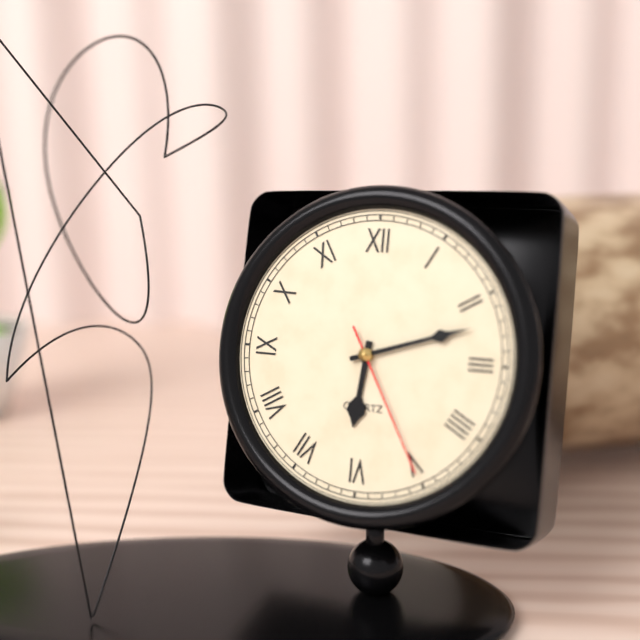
6:12:25
